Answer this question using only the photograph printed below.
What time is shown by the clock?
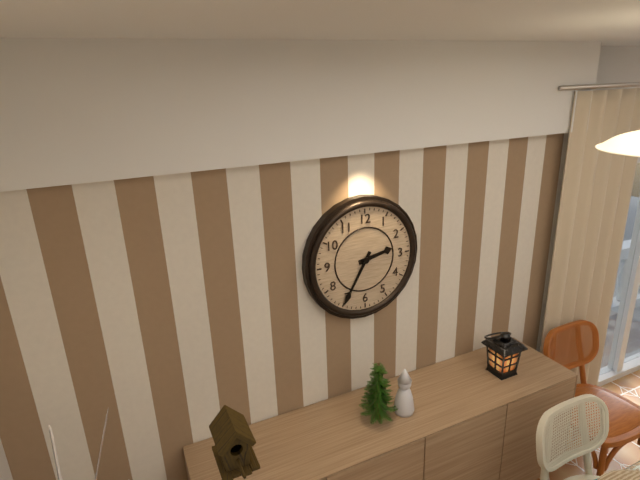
2:35
